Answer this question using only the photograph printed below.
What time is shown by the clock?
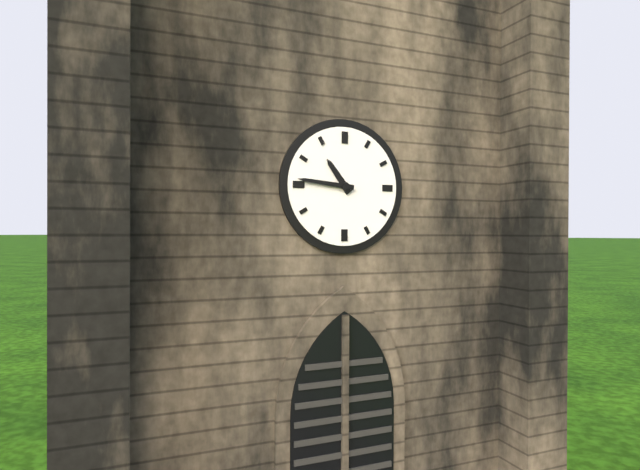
10:46
